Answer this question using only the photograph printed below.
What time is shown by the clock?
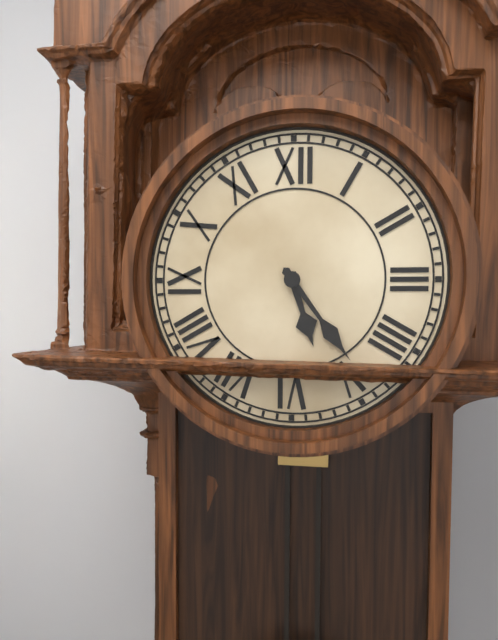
5:24
